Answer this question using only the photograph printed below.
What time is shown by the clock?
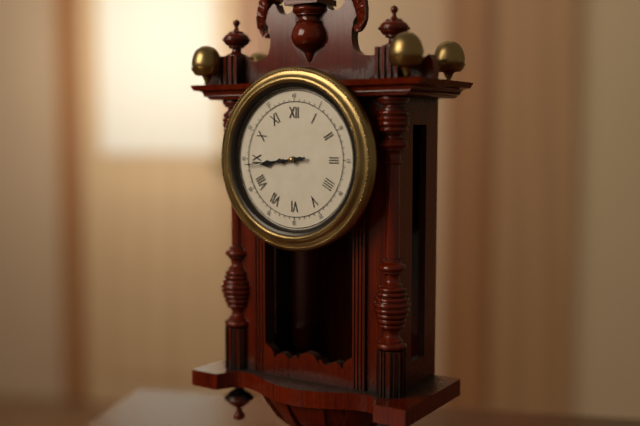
8:44
